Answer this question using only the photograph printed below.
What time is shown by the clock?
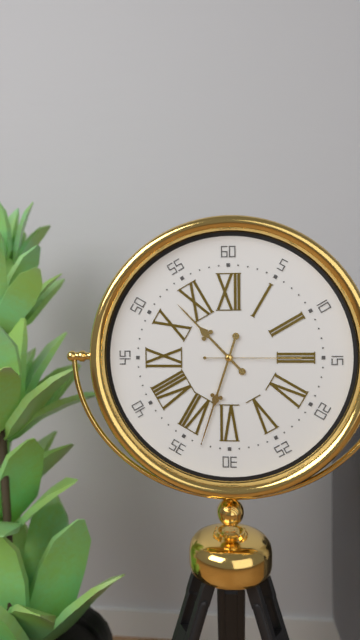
10:33:15
